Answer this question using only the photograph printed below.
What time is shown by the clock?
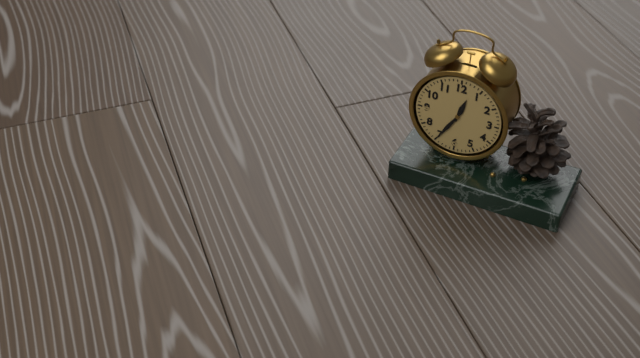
12:35
